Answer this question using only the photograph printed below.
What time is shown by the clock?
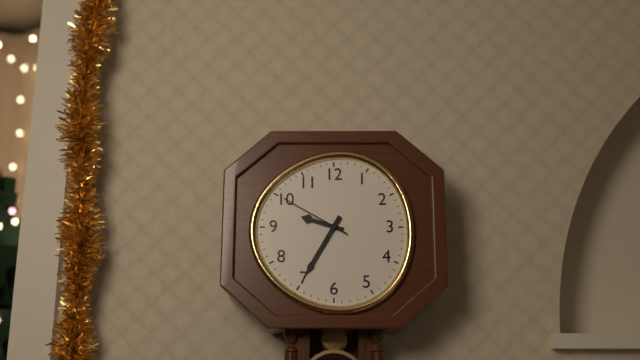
9:35:50
